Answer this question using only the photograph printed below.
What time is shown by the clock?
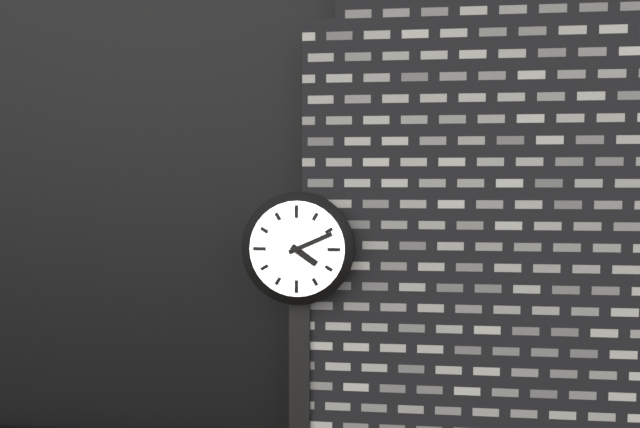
4:11
